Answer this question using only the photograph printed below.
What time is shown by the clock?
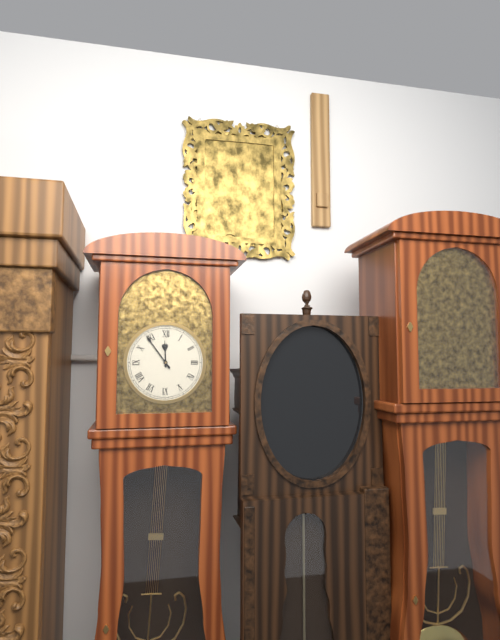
11:54
